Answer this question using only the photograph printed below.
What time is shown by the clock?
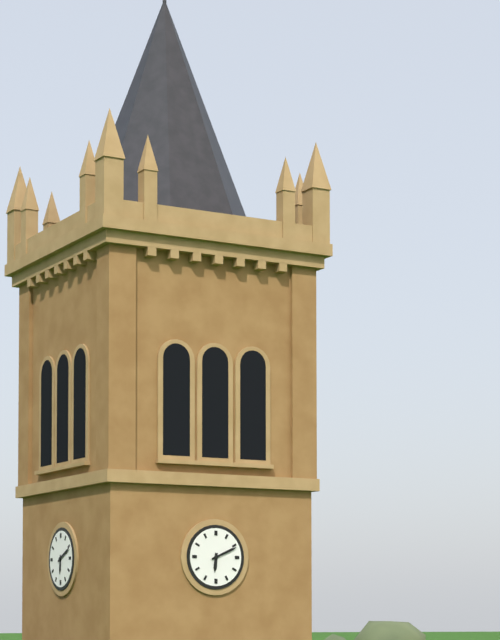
6:11
